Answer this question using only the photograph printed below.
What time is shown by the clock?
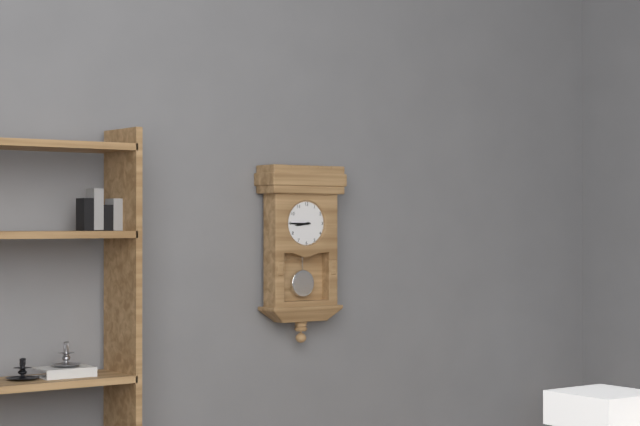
8:45
